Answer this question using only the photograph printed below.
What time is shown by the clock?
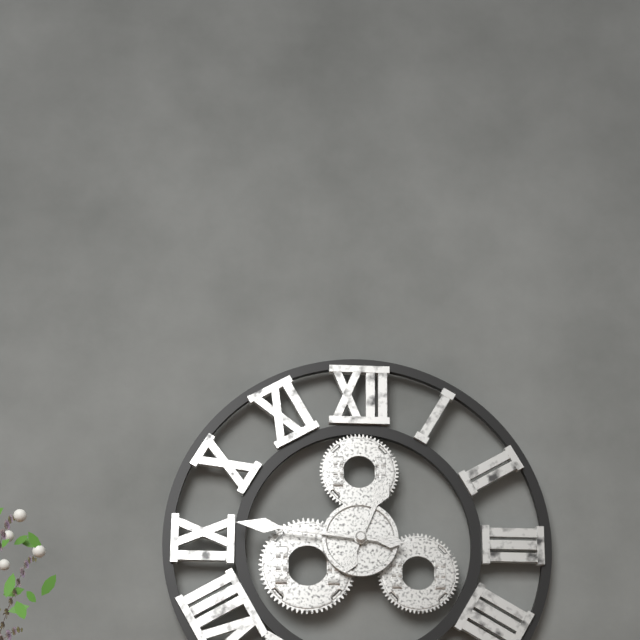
12:46
